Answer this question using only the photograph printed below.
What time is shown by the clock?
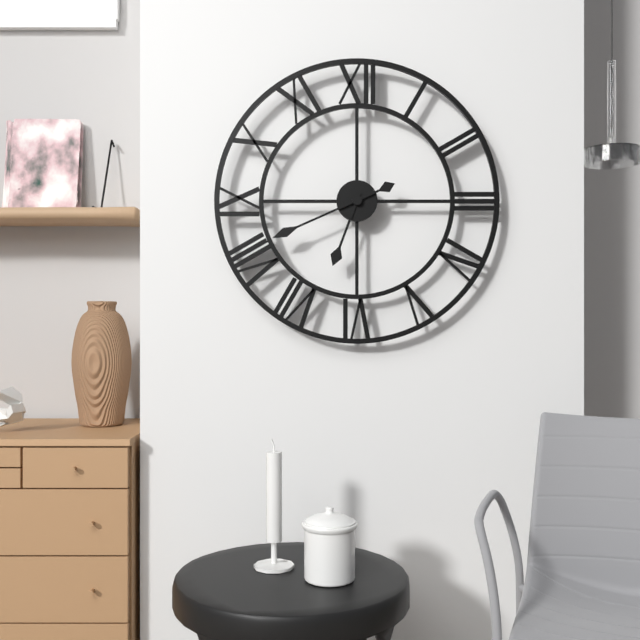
6:41
